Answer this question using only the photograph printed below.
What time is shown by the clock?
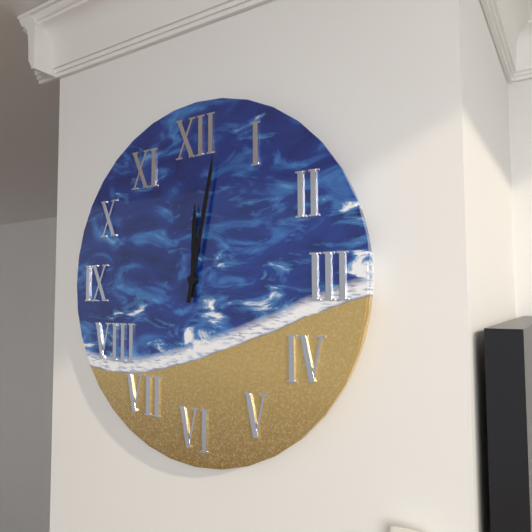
12:02
